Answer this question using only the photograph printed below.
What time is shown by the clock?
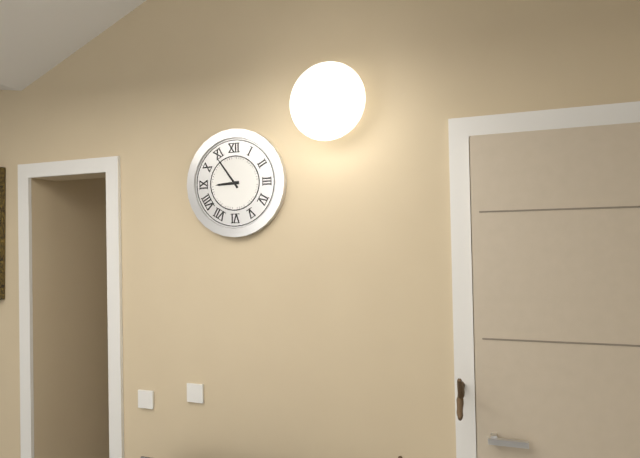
8:54
